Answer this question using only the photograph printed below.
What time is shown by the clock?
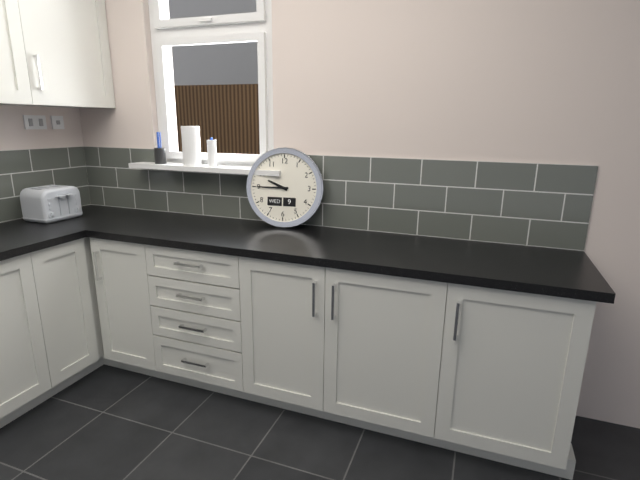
9:45
